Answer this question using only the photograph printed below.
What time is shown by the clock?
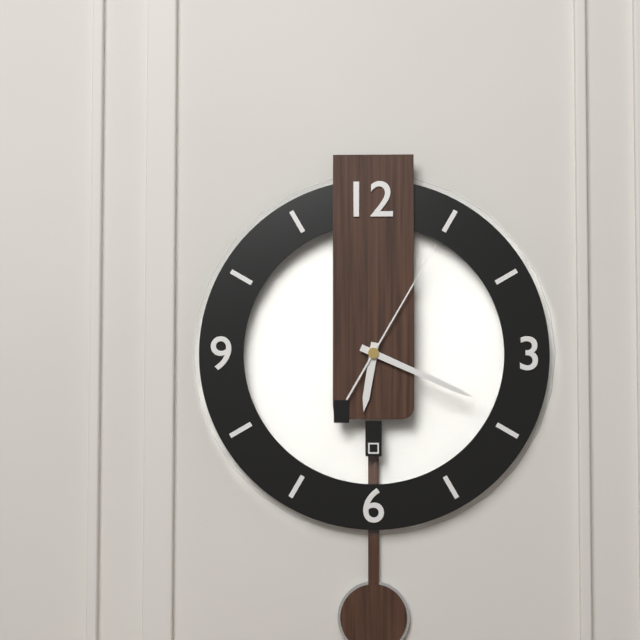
6:19:05
